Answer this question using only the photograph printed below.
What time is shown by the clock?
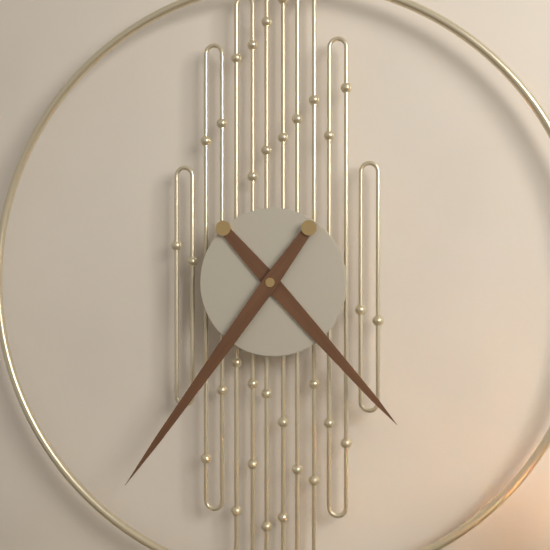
4:36
